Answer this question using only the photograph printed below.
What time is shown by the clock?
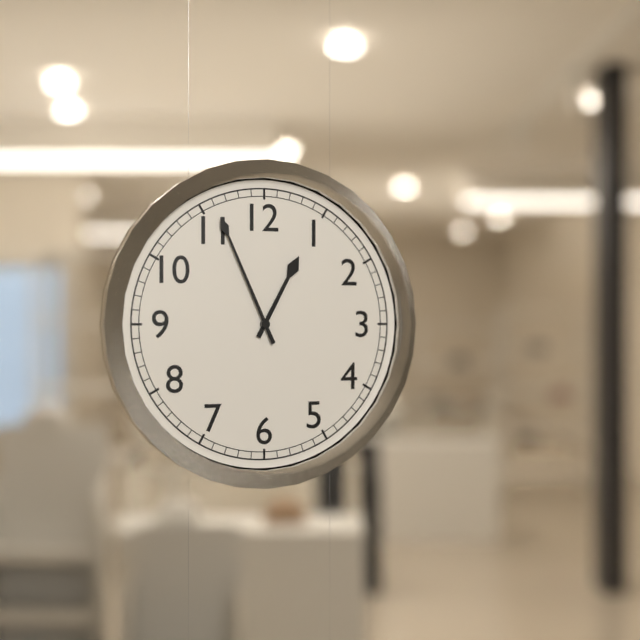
12:56
